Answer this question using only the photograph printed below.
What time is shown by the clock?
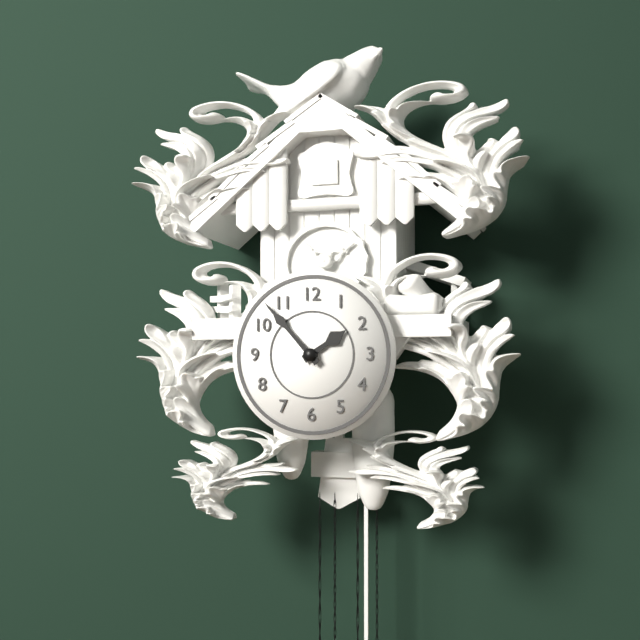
1:53
